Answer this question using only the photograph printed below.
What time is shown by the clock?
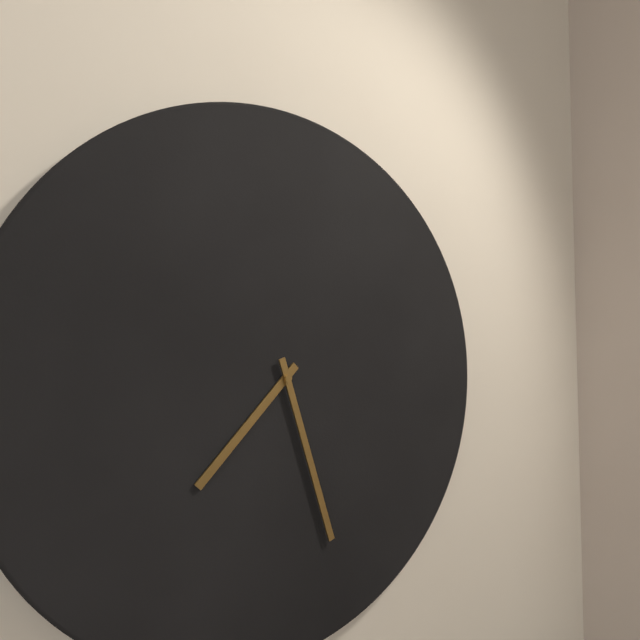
7:27
